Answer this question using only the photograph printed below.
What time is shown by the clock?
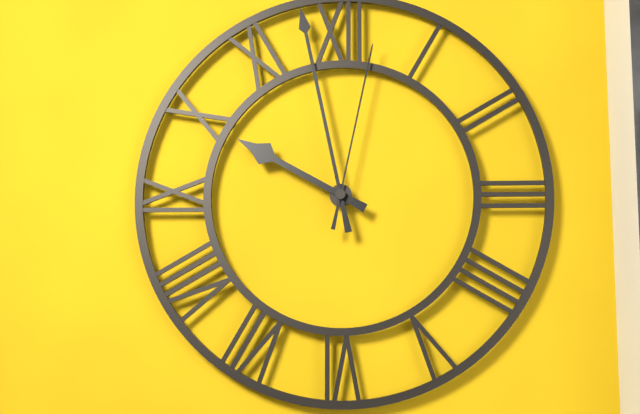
9:58:02
